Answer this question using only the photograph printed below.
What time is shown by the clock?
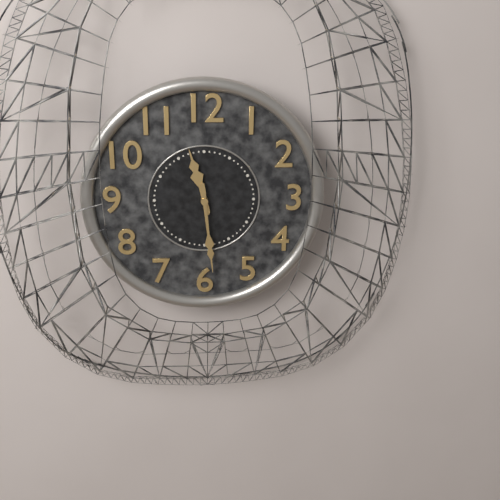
11:29
